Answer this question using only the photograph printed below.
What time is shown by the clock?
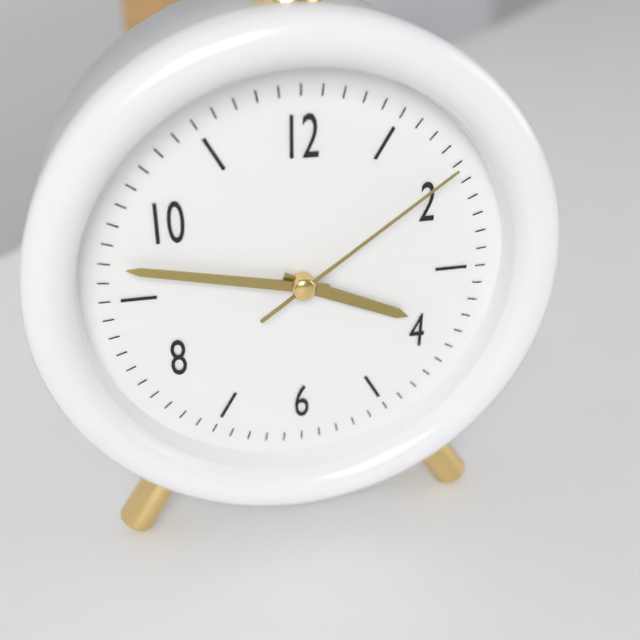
3:47:09
